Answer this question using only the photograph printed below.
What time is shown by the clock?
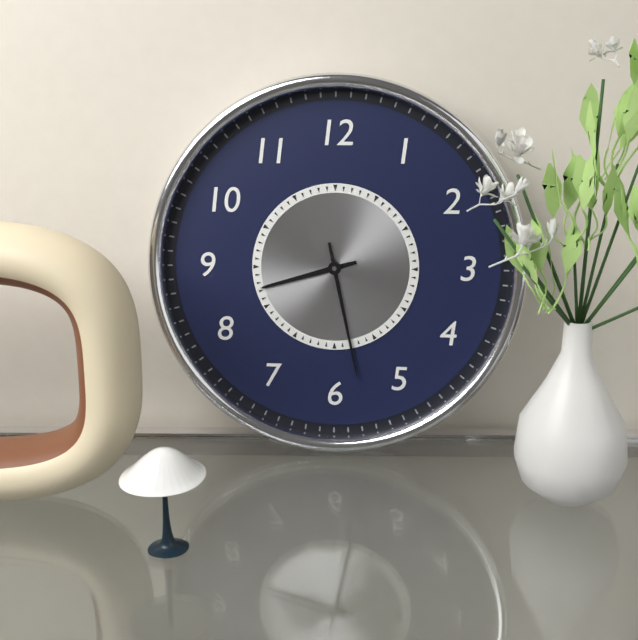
8:28
